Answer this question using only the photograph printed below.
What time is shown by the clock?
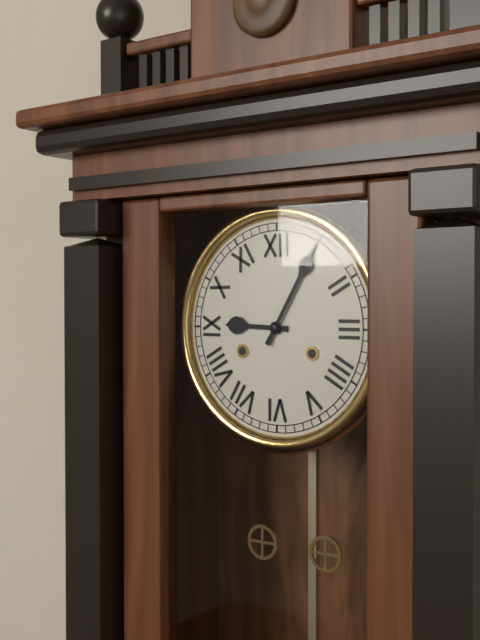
9:05
